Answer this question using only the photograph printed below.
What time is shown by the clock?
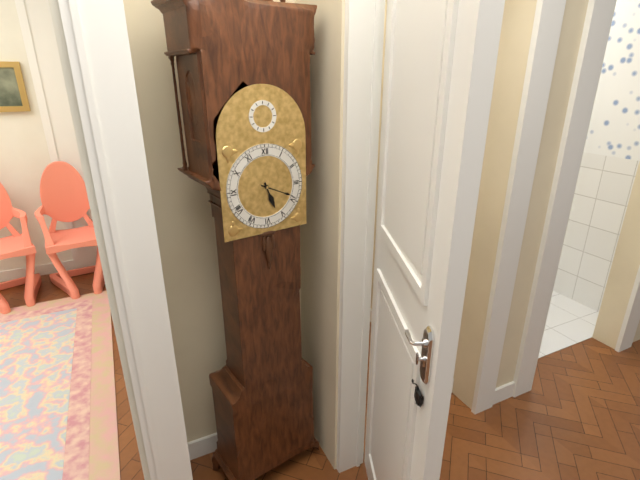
5:19
